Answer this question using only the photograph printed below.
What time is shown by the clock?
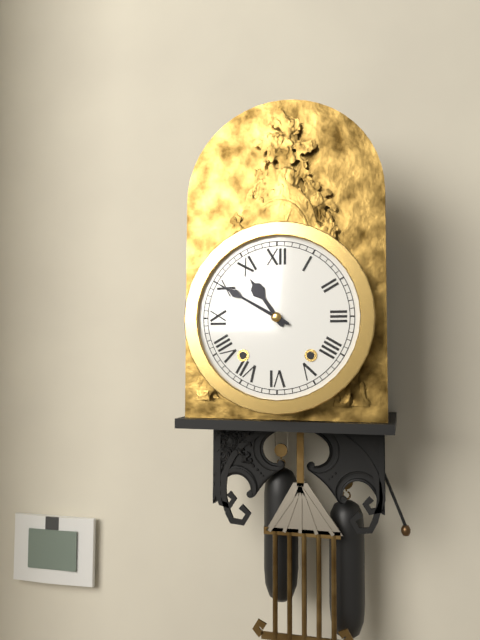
10:50
